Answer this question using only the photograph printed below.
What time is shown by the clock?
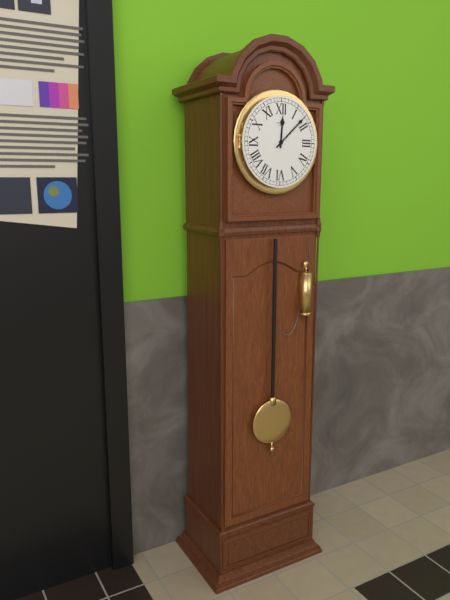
12:08
